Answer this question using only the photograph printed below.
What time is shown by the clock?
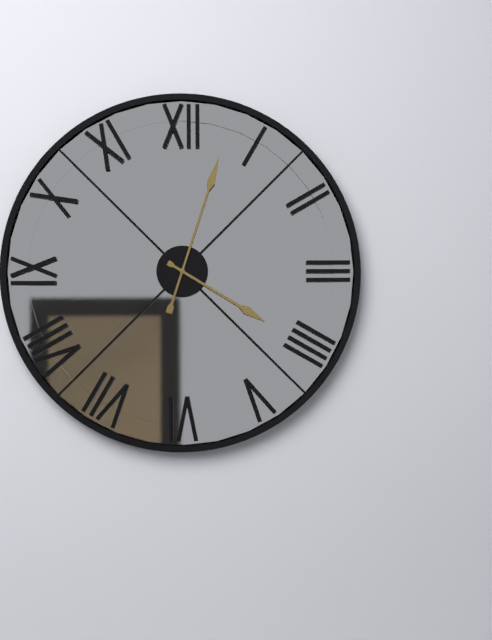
4:03
